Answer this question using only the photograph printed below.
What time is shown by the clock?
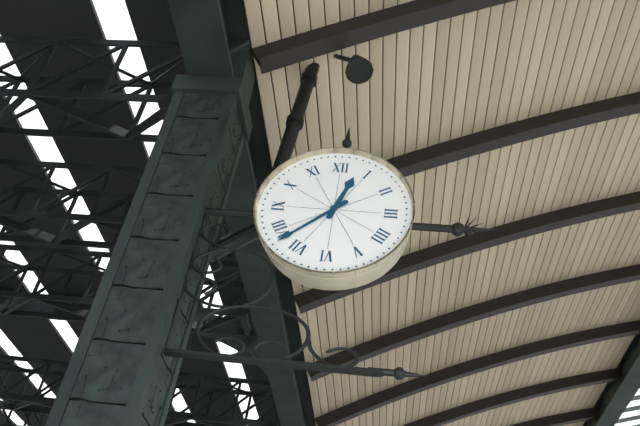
12:38
